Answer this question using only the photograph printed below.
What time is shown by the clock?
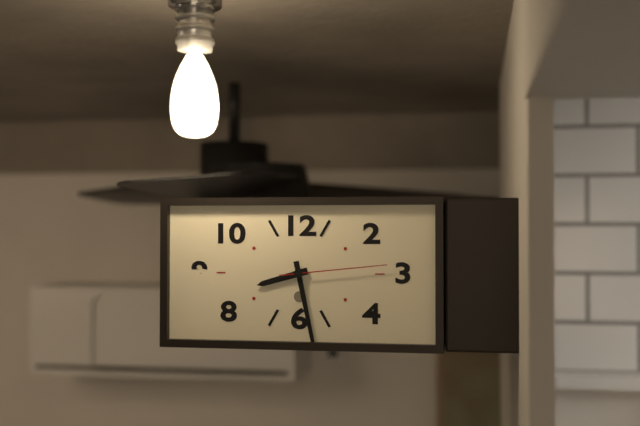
8:28:14
